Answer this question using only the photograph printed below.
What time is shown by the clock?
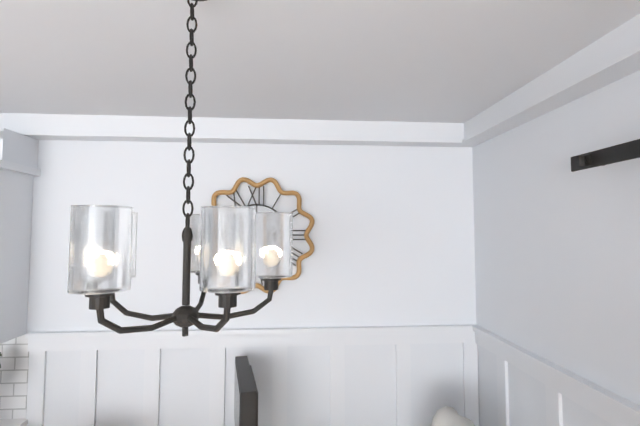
2:43
